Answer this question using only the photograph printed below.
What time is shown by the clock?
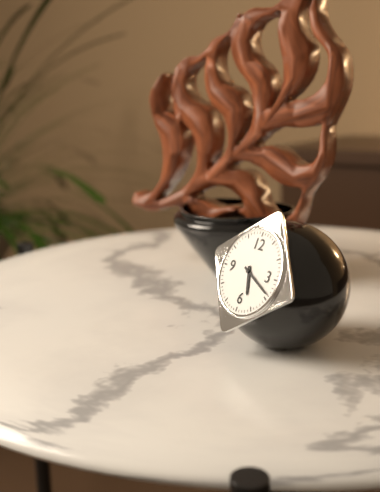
5:19
